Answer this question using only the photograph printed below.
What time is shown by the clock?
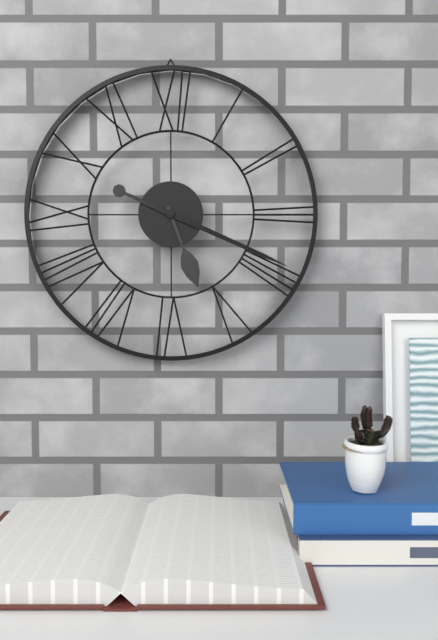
5:19
